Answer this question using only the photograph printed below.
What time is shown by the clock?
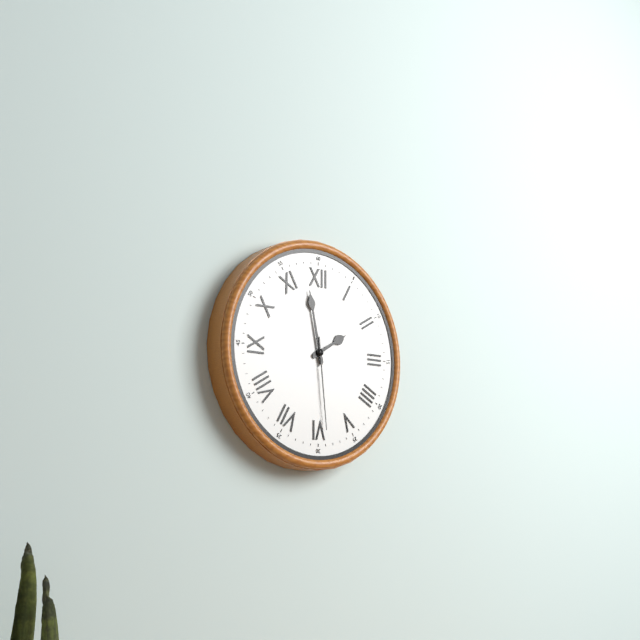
1:58:29
